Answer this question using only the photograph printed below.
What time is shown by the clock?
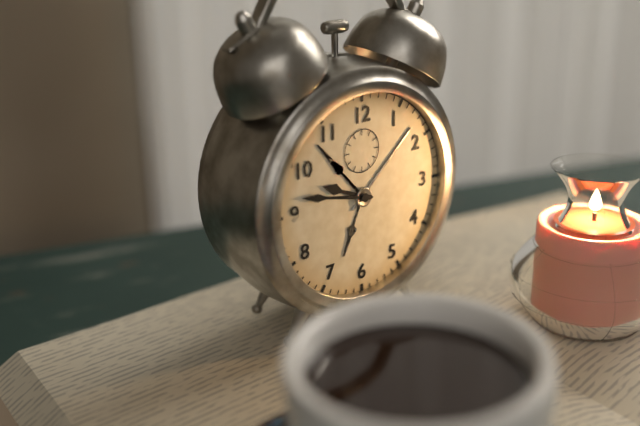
9:47
